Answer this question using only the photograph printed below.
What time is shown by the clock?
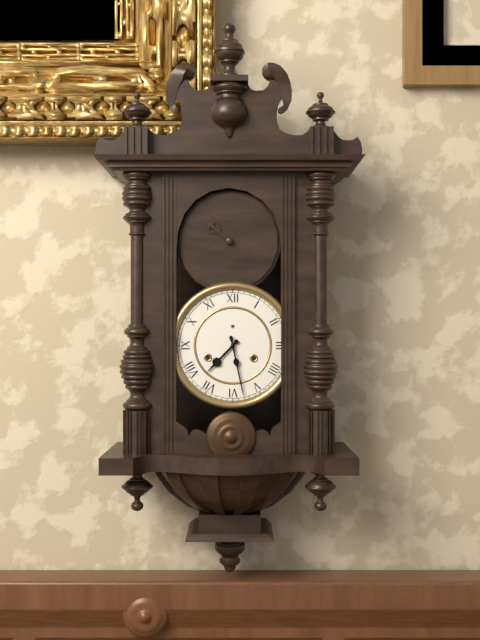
7:28
